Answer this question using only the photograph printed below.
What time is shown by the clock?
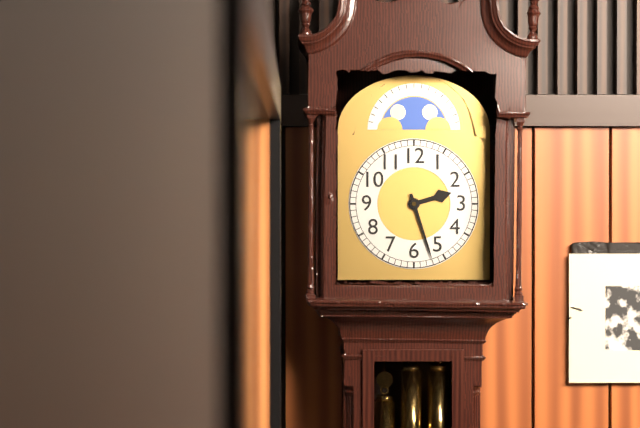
2:27
